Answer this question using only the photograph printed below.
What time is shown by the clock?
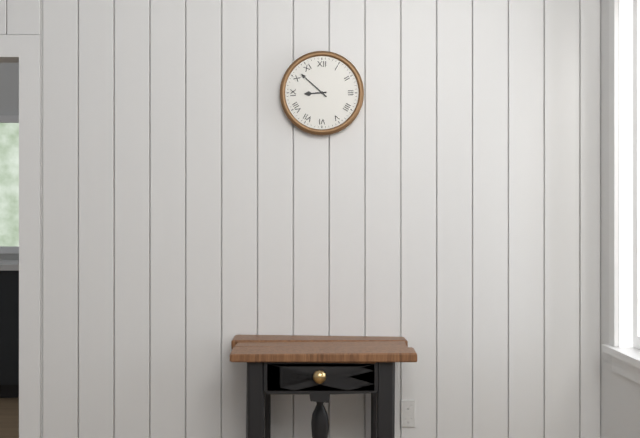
8:52
